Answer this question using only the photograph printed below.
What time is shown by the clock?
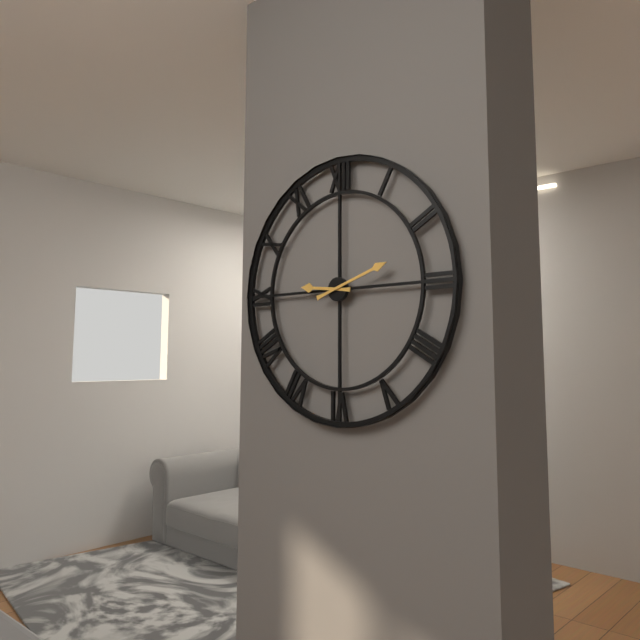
9:12
